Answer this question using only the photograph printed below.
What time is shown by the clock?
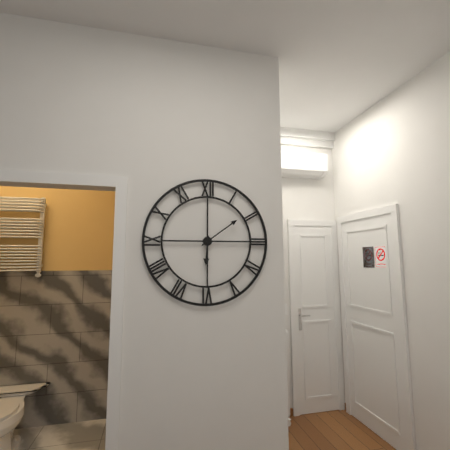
6:09
